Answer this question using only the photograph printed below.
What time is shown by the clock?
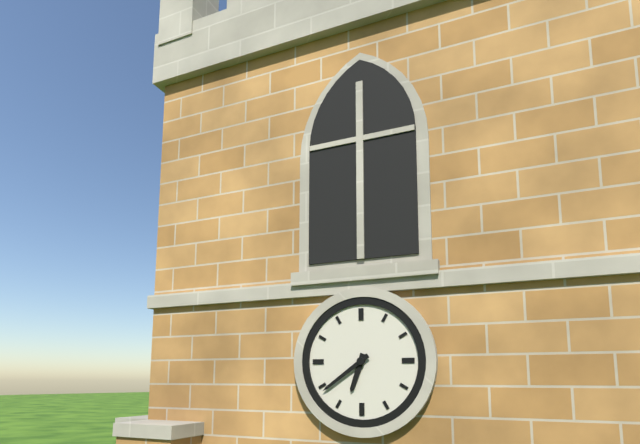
6:39
